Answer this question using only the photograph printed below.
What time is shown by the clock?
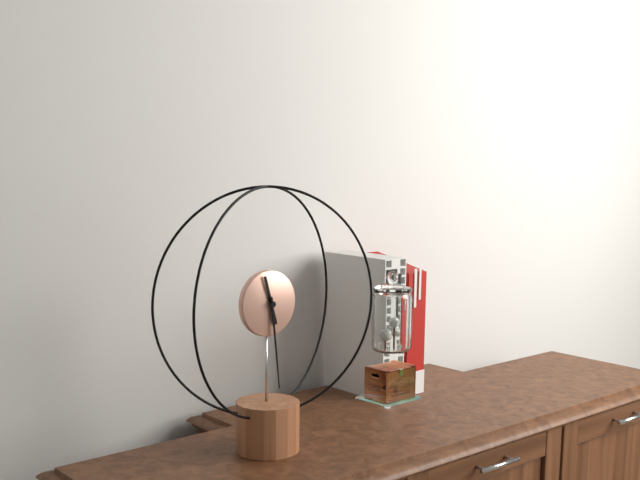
11:29
